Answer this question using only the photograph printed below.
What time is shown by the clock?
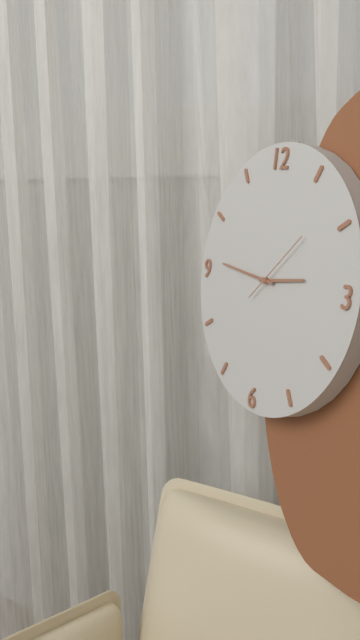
2:46:08
